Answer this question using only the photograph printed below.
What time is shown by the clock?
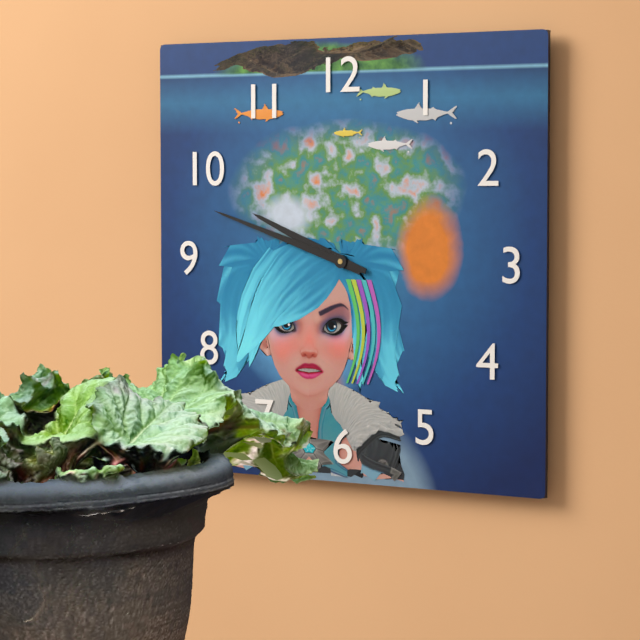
9:48
